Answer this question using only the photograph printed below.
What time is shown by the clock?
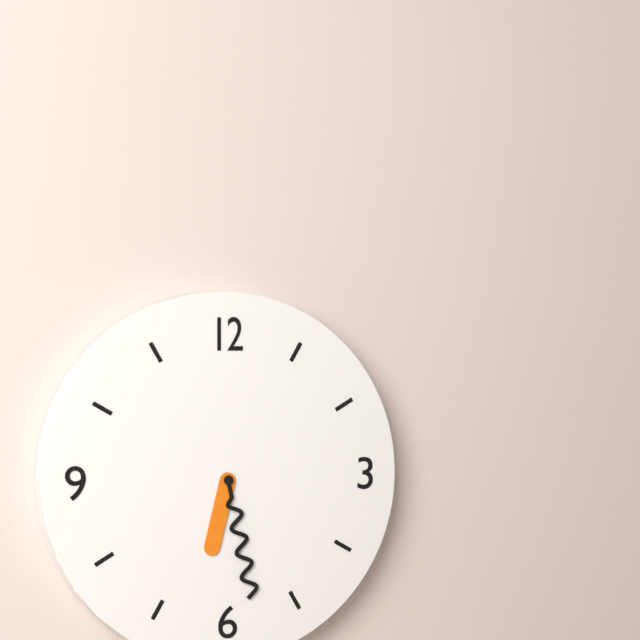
6:28
